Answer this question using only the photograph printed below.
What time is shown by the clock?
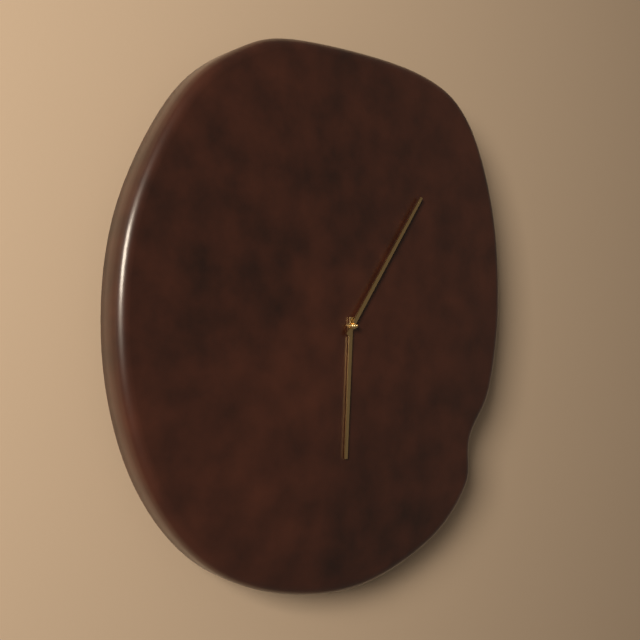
6:06
